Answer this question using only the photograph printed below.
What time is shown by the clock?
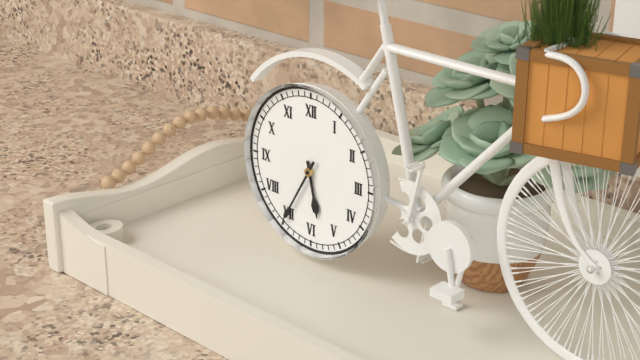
5:35
